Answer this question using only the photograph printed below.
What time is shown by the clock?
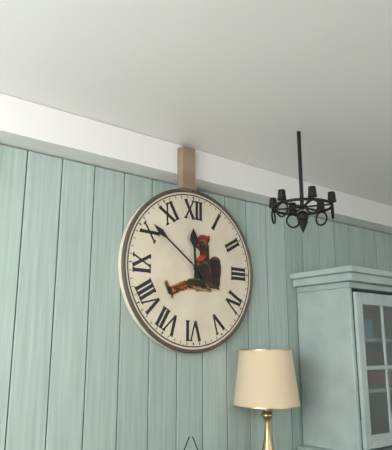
11:51
